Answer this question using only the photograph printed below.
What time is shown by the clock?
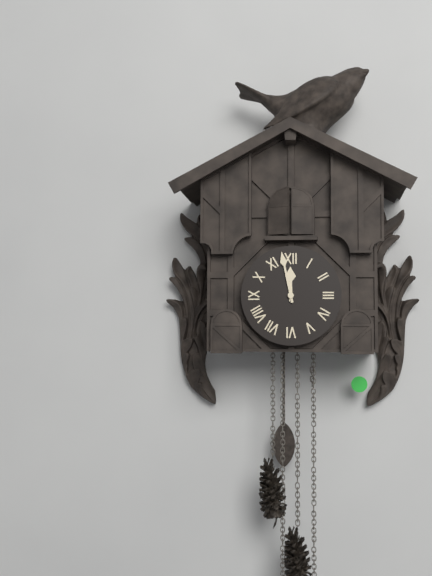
11:58
